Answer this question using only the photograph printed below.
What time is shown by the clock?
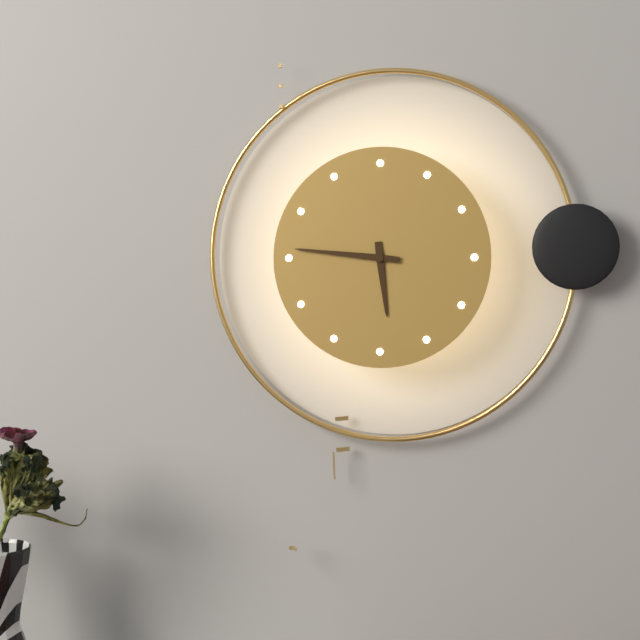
5:46
